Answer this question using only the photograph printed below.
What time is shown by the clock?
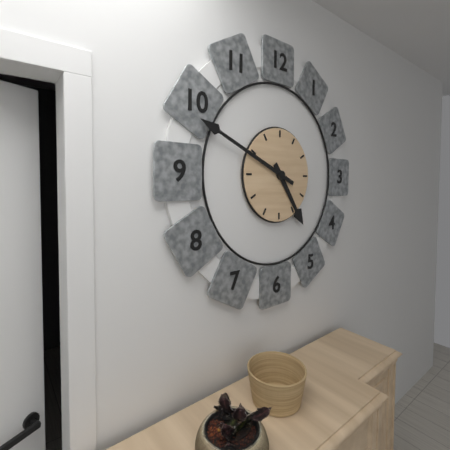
4:49
